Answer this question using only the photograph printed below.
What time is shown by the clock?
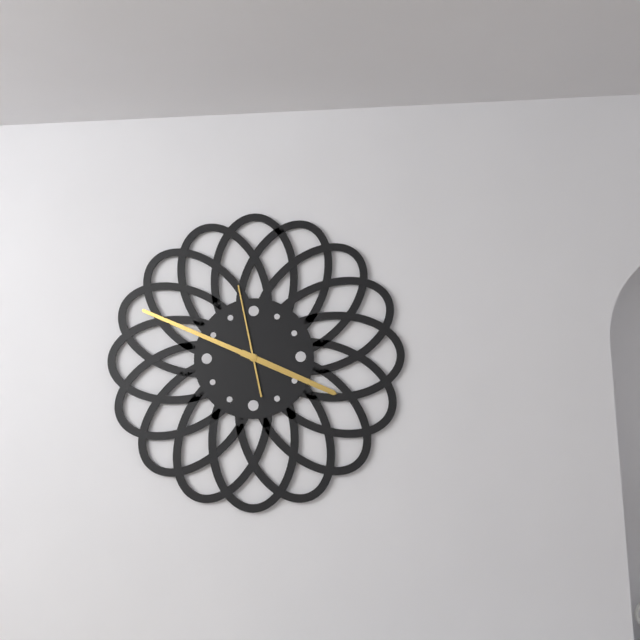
3:49:58
